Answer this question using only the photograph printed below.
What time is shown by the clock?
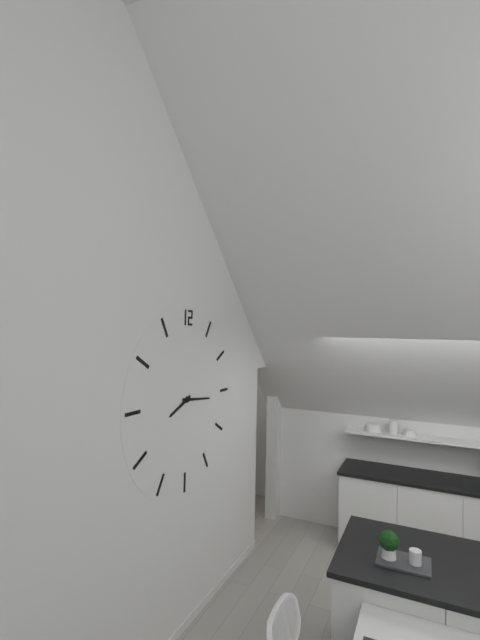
8:16
